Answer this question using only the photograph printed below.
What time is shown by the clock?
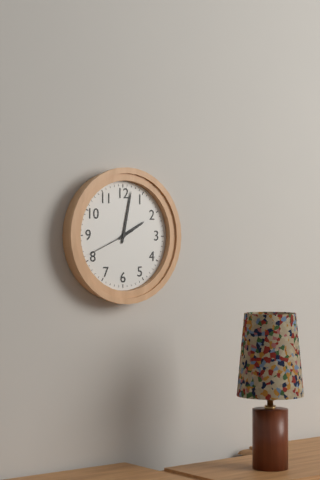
2:02:41
